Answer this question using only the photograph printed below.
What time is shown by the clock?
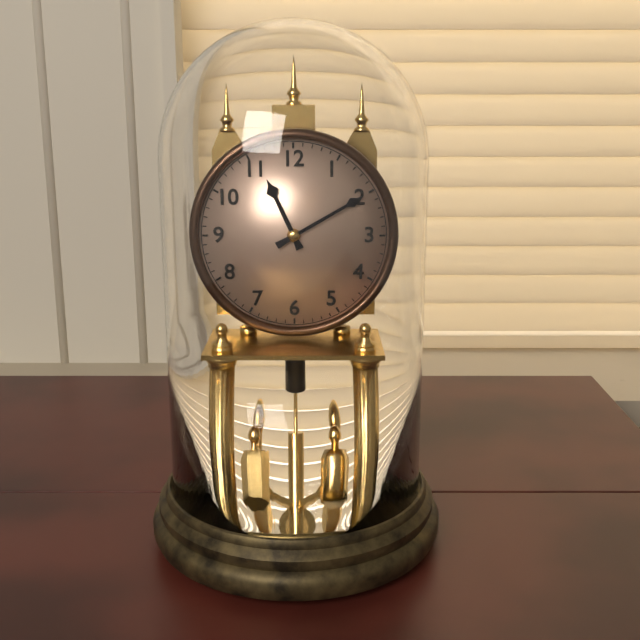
11:10
